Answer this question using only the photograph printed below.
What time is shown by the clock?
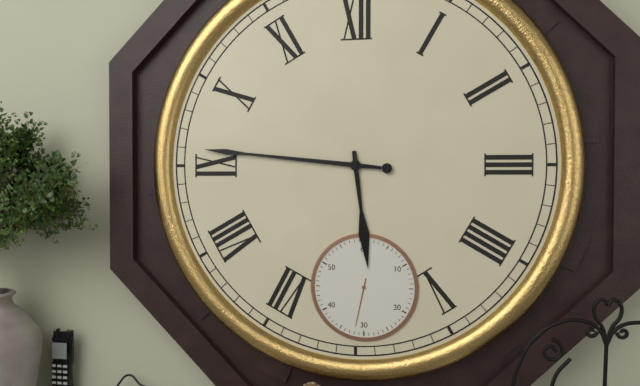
5:46:32
